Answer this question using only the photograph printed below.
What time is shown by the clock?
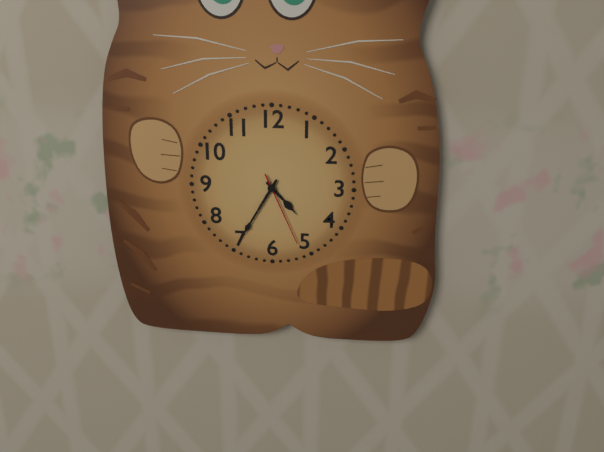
4:35:26
